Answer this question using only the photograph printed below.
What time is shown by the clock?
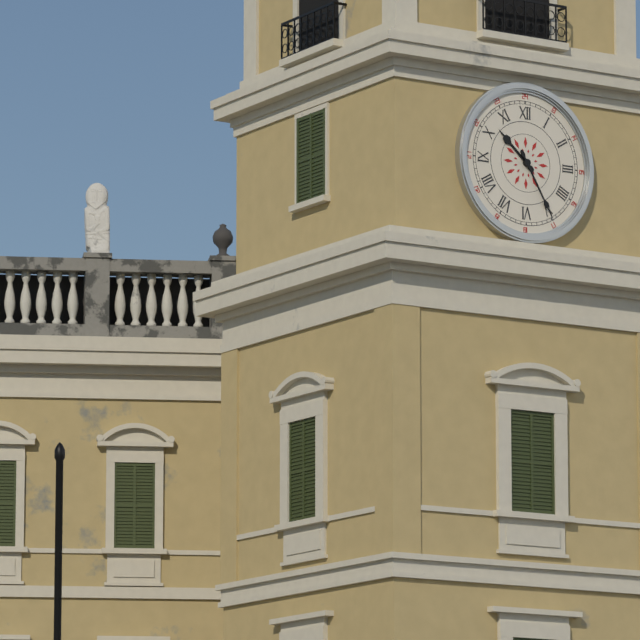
10:25
